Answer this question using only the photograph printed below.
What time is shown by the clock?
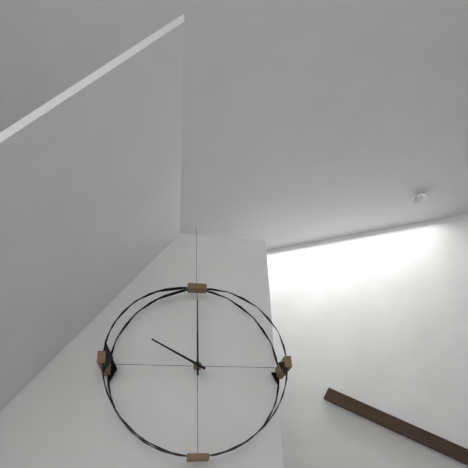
10:00
